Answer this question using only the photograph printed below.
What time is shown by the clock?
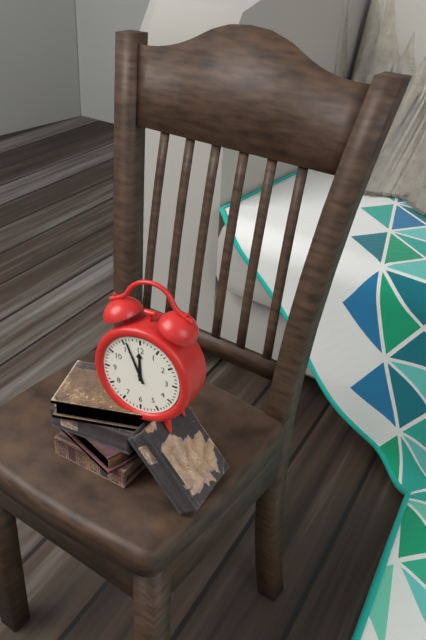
11:56
